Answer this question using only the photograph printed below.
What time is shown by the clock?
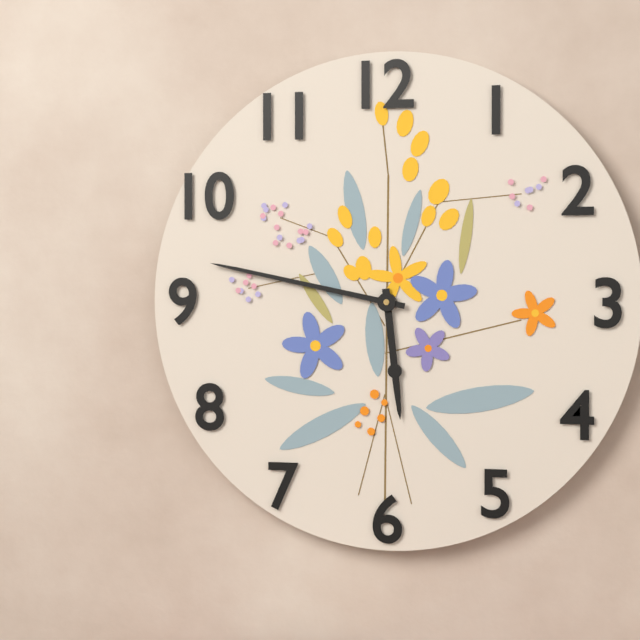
5:47
